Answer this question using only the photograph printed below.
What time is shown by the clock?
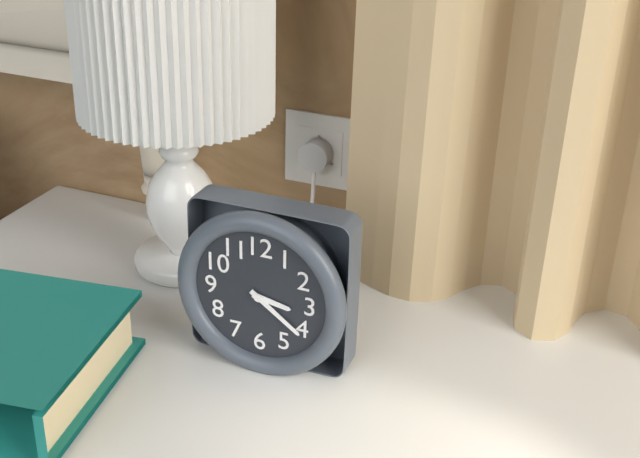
3:21
